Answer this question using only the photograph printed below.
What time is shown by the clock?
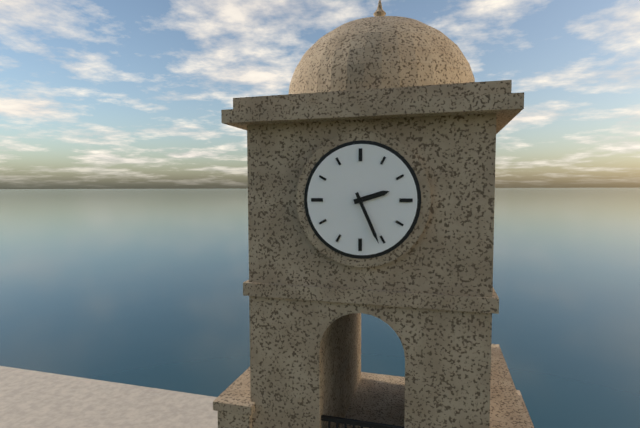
2:26
